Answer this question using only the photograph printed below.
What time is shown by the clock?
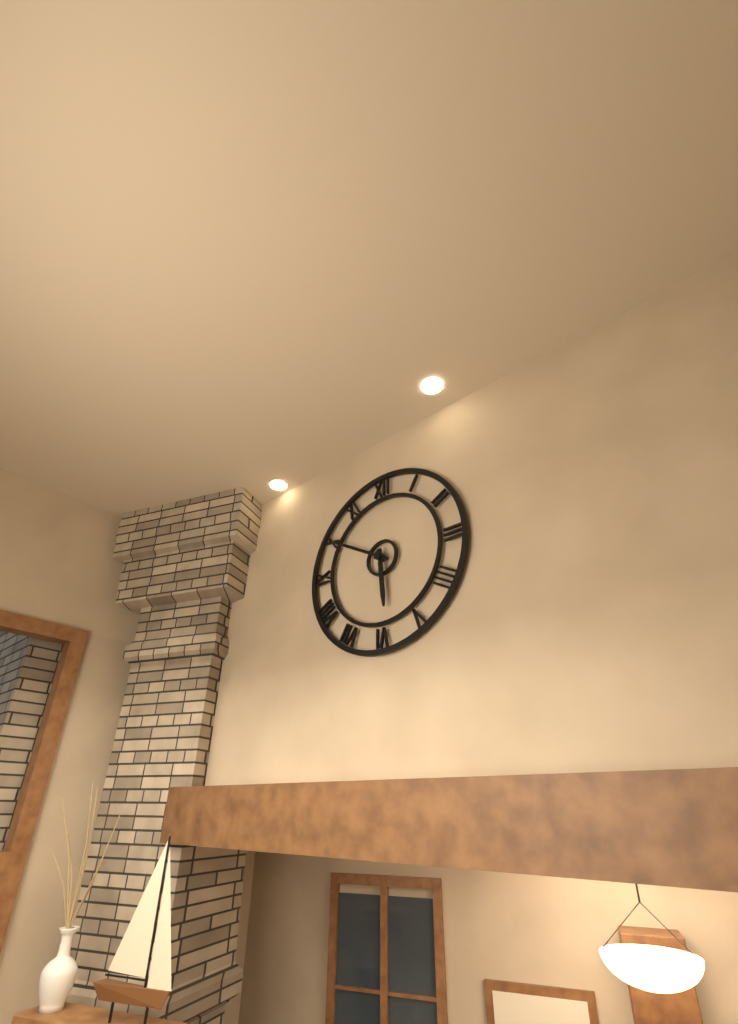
5:50
